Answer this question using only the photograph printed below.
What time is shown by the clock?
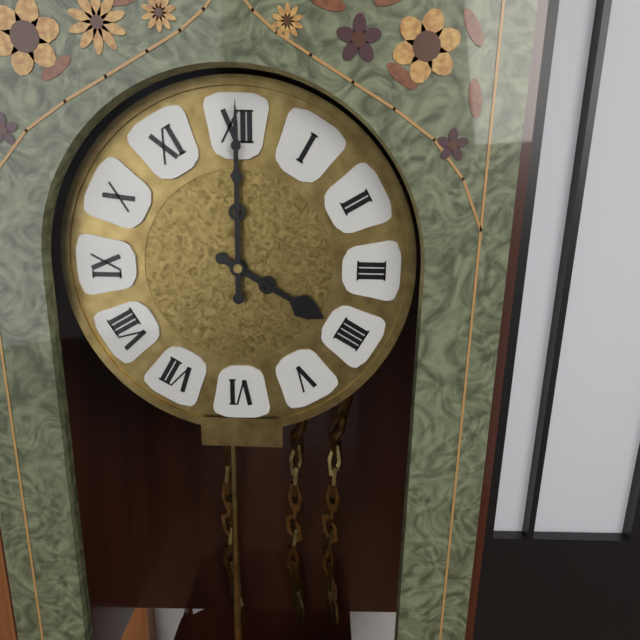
4:00
